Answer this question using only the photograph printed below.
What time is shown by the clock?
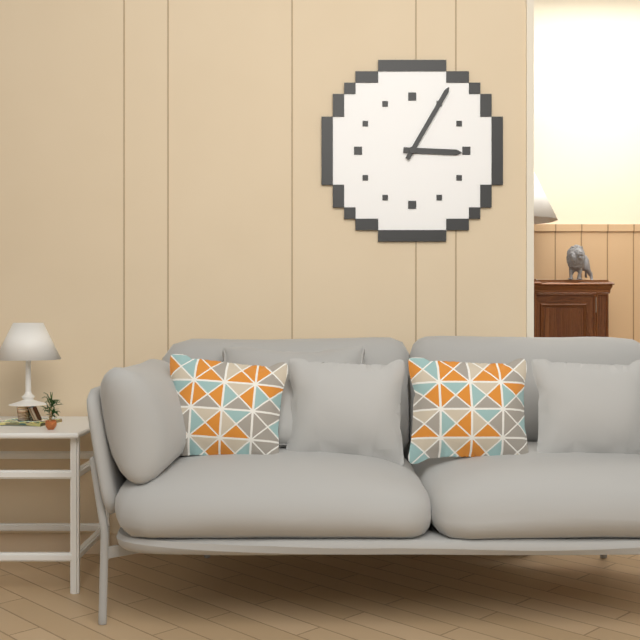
3:05
